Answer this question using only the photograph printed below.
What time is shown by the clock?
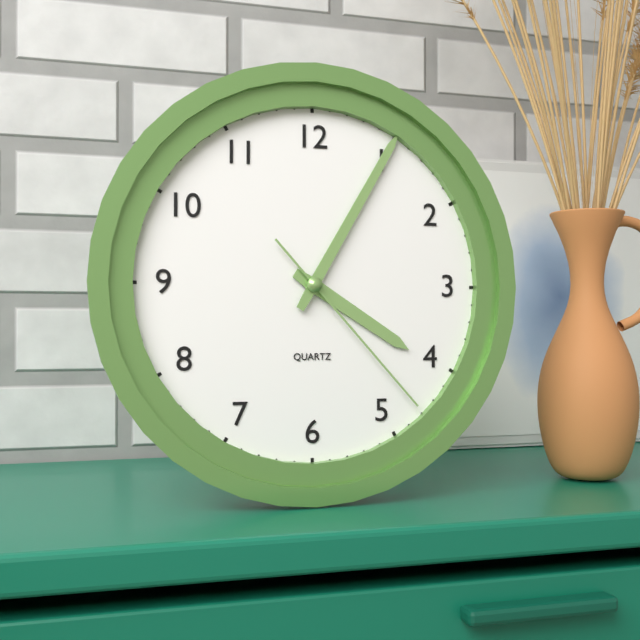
4:05:23
